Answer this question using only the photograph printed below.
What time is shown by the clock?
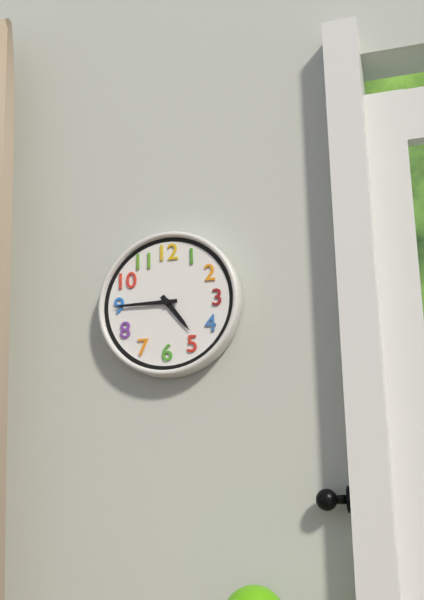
4:45
